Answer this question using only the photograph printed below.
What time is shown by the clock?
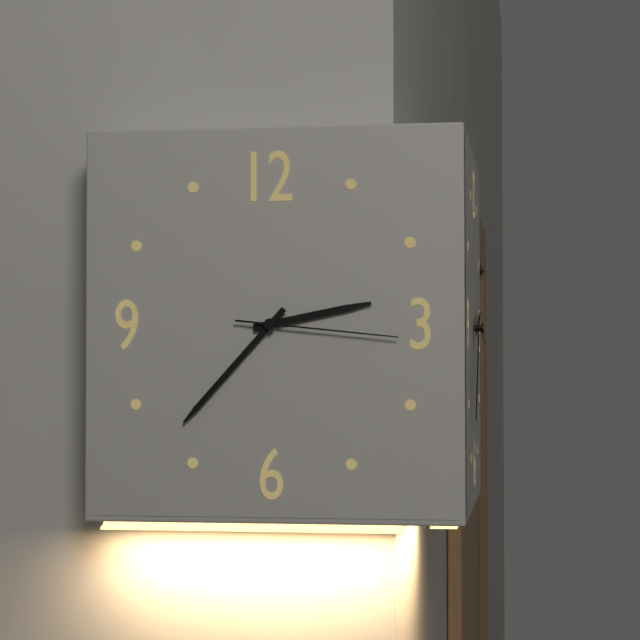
2:37:16
